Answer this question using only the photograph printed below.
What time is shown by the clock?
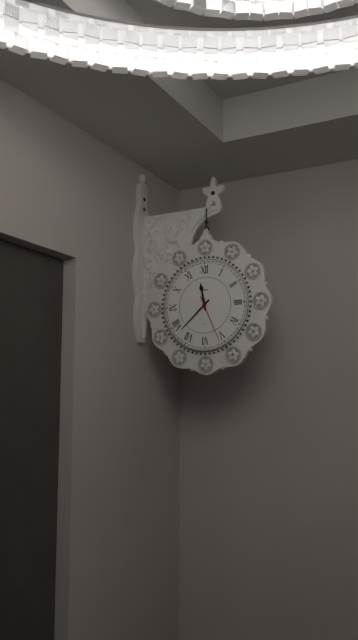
11:38
